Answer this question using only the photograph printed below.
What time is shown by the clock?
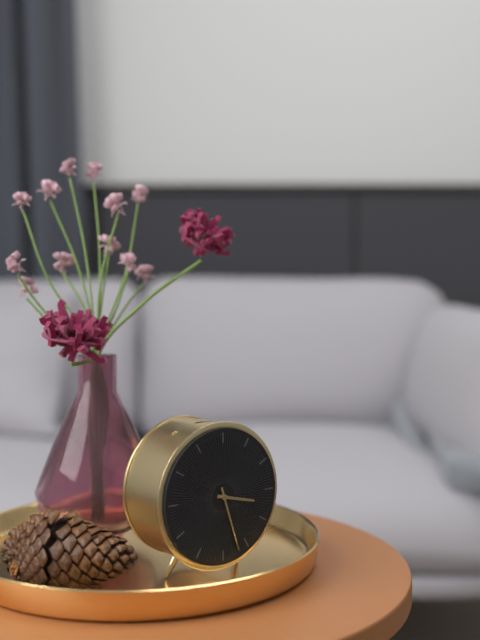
3:27
